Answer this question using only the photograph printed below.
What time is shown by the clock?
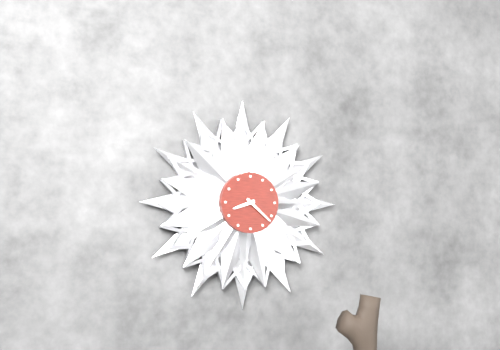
8:22
